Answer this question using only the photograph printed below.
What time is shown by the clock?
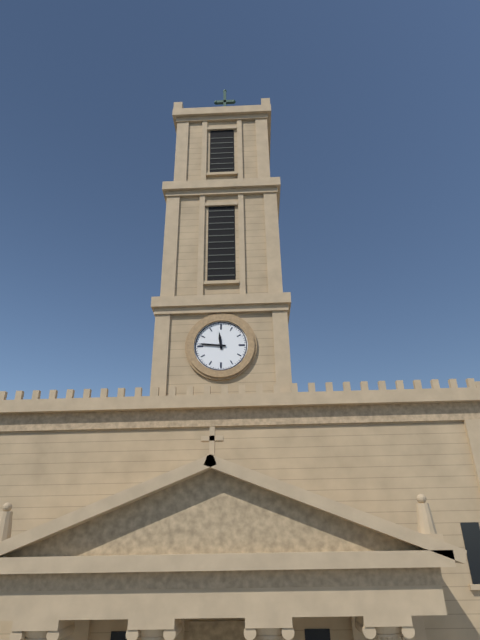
11:46
